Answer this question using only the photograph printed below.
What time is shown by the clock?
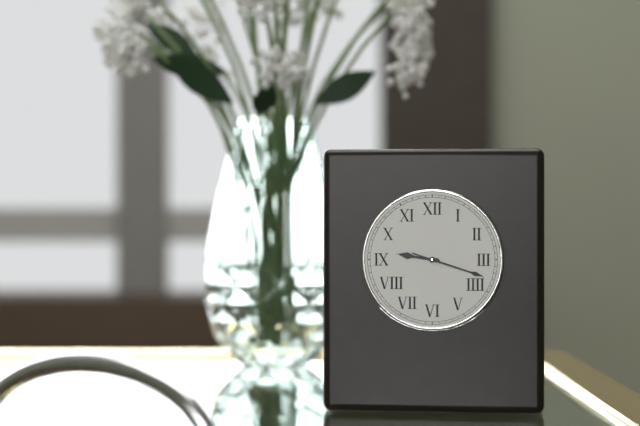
9:18
